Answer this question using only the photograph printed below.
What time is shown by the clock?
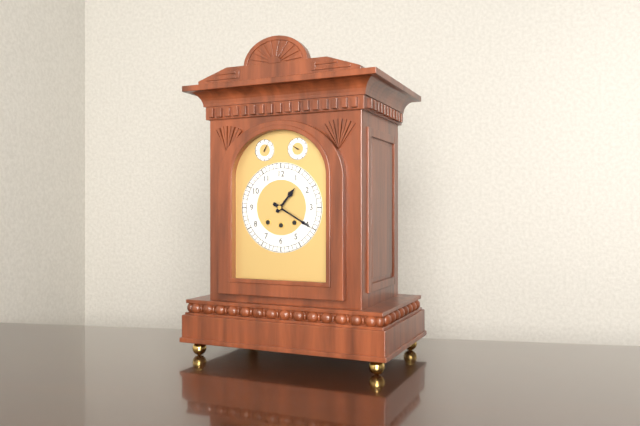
1:20
